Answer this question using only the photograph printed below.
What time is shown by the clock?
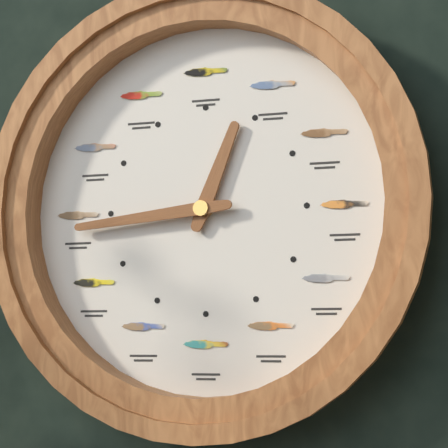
12:44
